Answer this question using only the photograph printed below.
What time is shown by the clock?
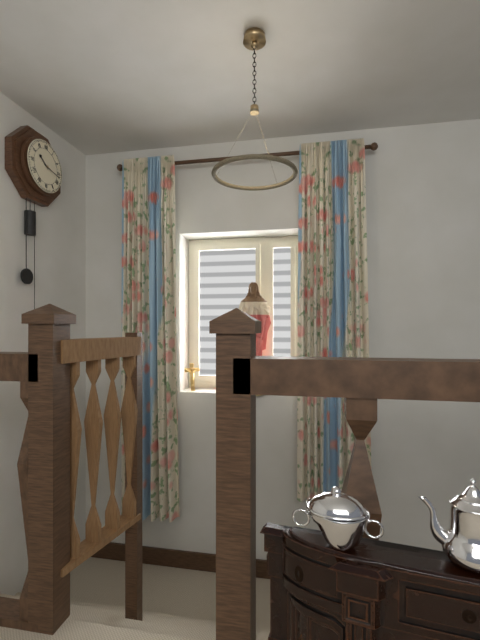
10:17
